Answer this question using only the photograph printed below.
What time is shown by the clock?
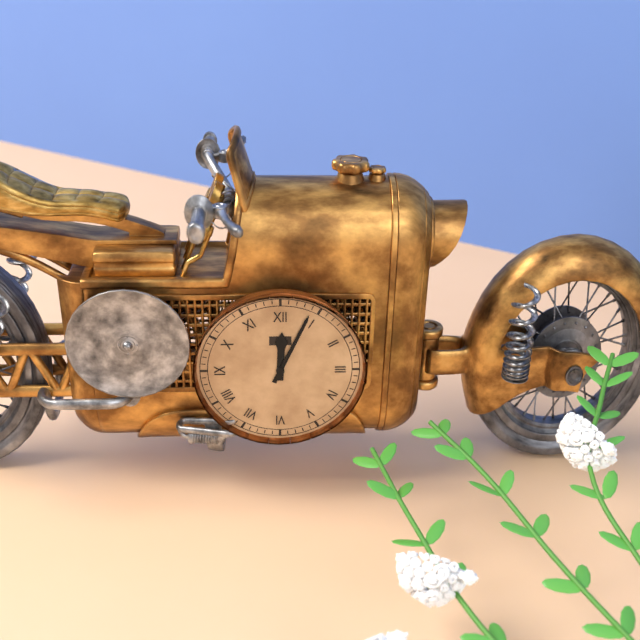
12:04
